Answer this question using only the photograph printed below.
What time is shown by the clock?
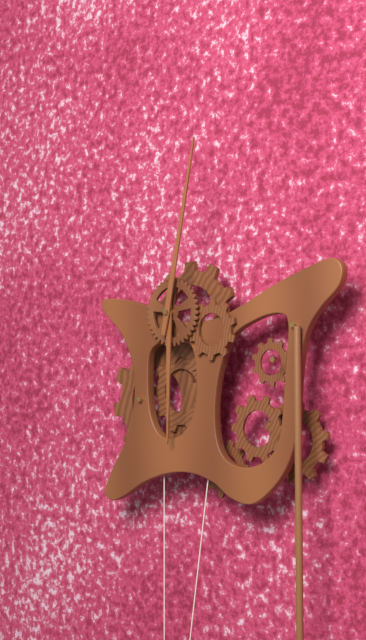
6:02
